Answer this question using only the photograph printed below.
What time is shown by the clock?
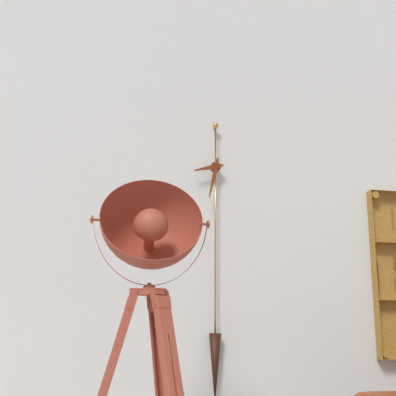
8:32
